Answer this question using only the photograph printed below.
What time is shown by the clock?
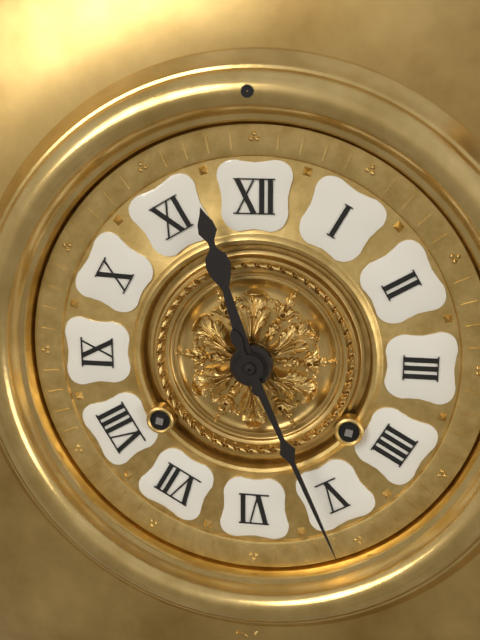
11:26
